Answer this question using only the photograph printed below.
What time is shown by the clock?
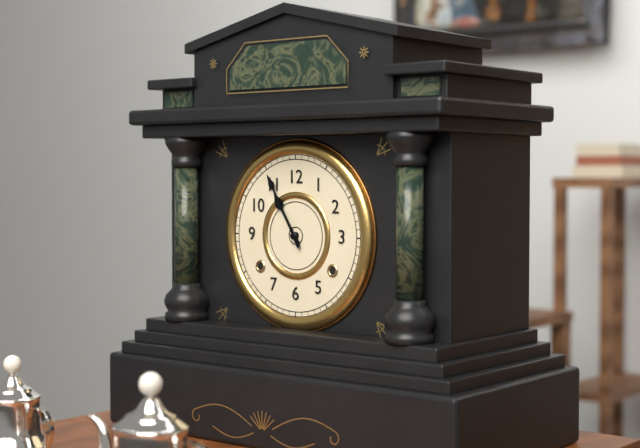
10:55
